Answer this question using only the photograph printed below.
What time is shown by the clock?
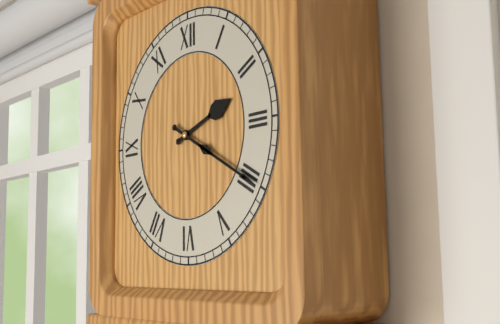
2:20
